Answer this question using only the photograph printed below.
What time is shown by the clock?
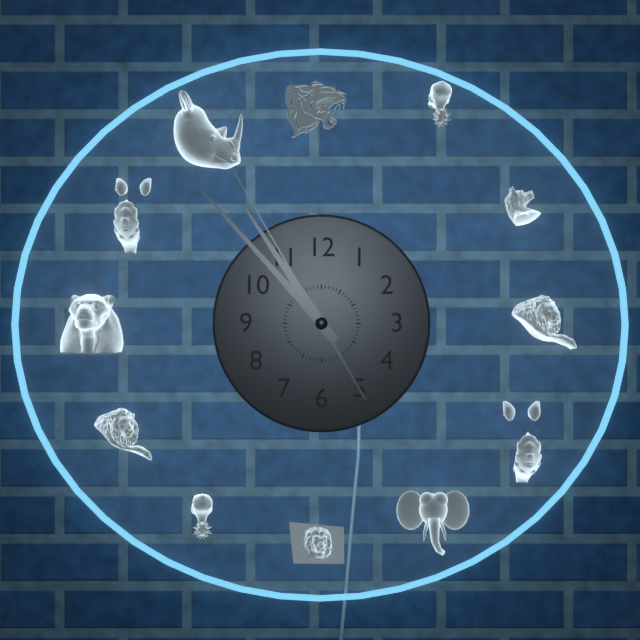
10:53:55
